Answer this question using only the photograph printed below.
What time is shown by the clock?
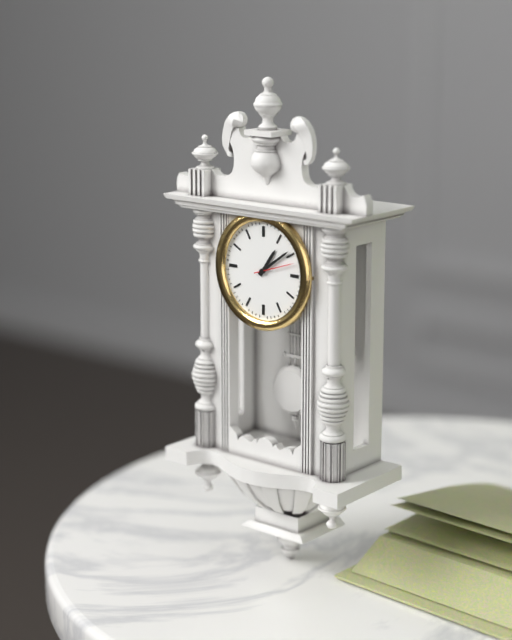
1:09
